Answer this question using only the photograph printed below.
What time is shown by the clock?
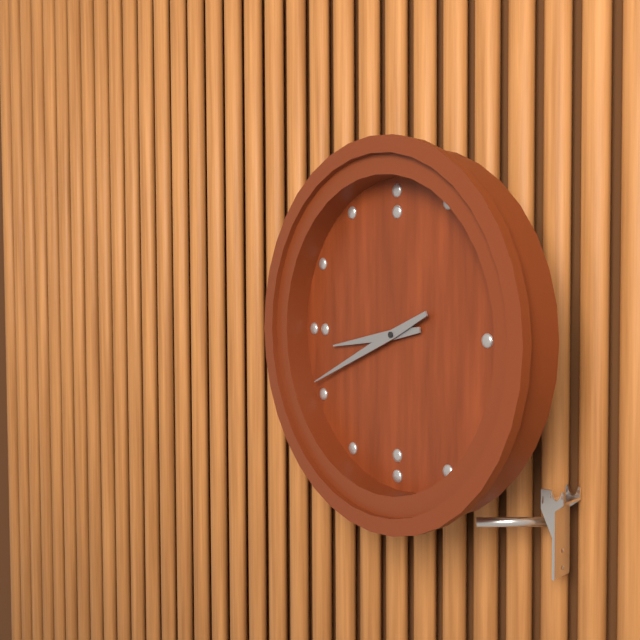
8:41
